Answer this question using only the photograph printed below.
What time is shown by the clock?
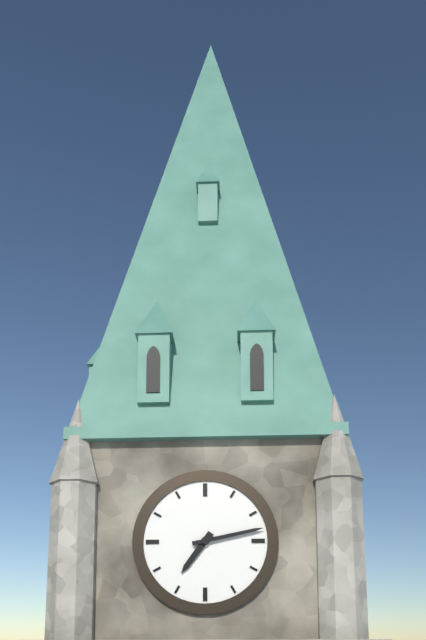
7:13
